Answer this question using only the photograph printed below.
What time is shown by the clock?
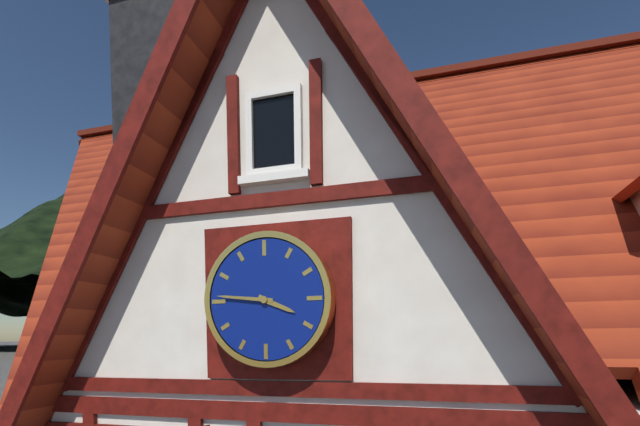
3:46
